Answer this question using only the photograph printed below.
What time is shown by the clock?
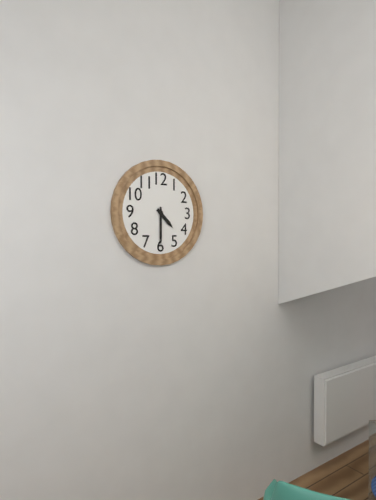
4:30
